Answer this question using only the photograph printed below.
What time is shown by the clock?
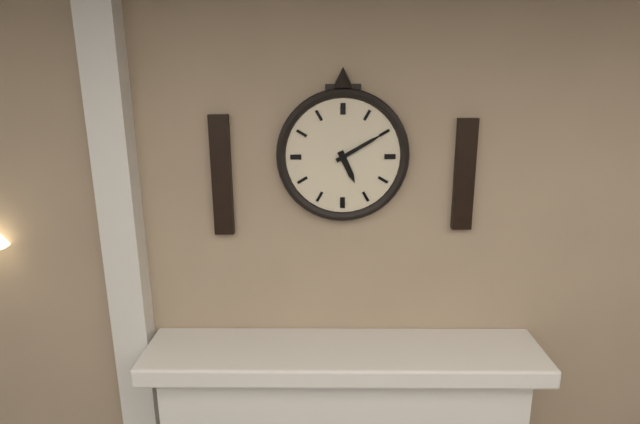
5:10
